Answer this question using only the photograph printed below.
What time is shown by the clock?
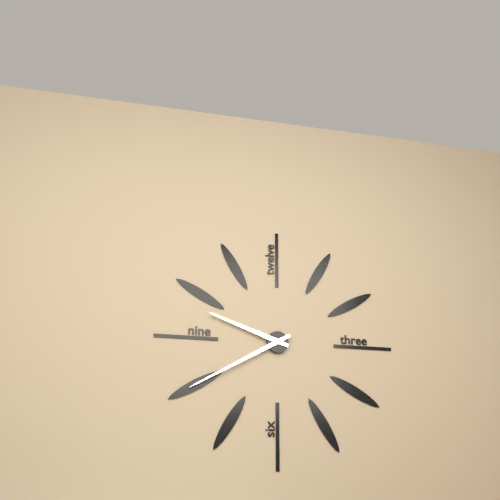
9:40
